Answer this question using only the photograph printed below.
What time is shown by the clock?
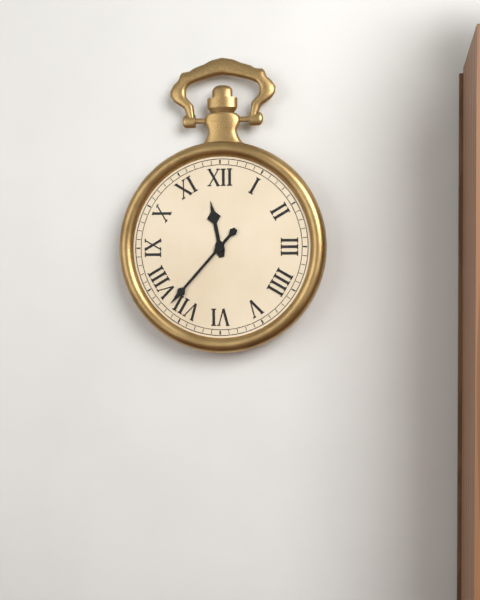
11:37
